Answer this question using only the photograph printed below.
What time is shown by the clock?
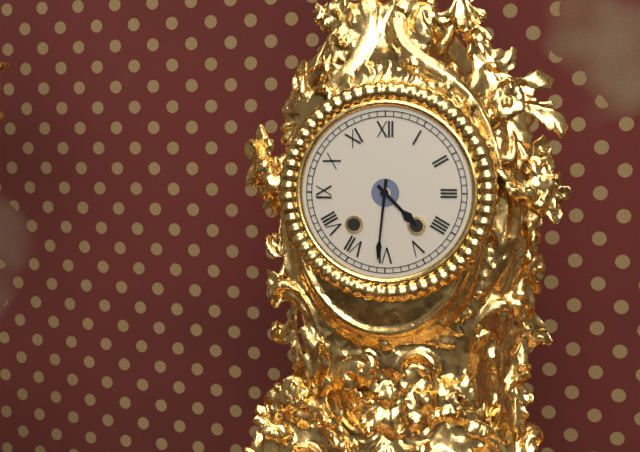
4:31
